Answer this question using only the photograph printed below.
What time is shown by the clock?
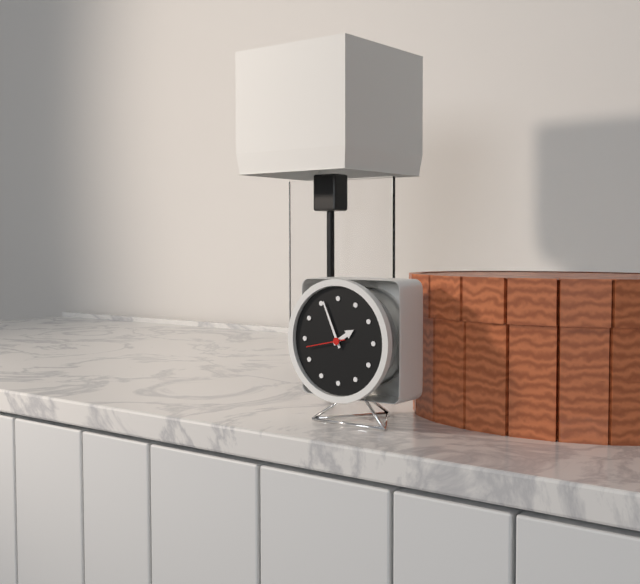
1:56
